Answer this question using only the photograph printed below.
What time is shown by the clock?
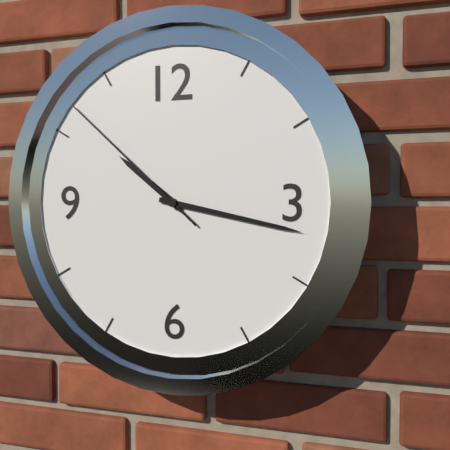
10:17:52
